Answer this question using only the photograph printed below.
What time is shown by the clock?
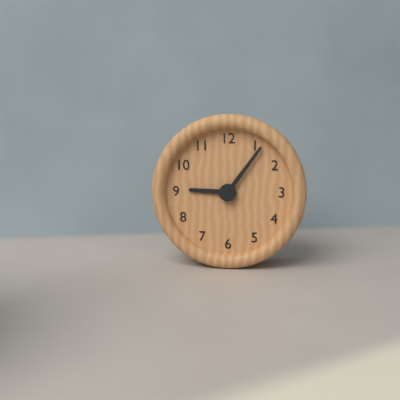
9:06
